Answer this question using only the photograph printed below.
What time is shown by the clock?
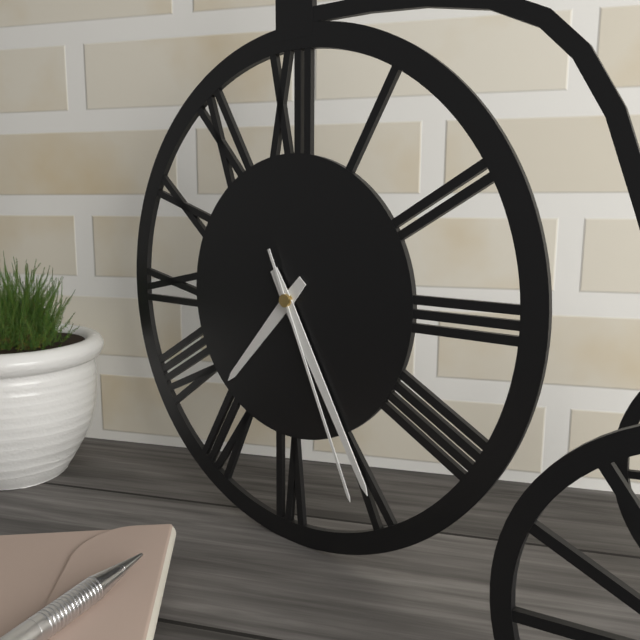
7:25:26
